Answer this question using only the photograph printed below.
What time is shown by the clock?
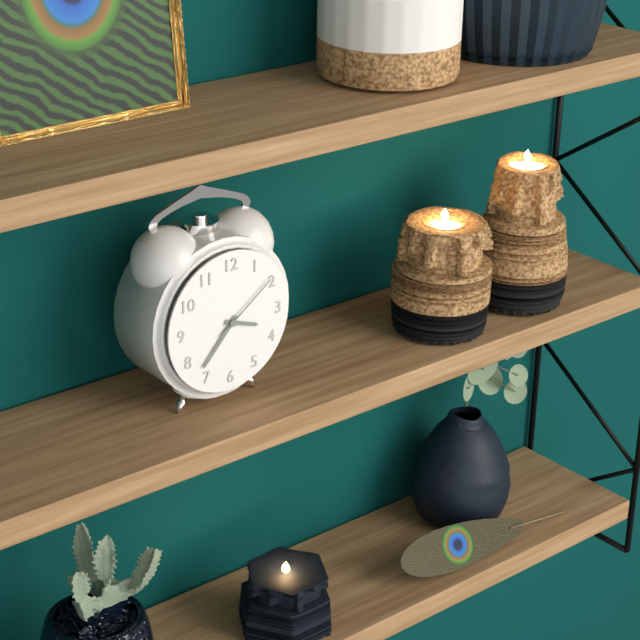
3:37:09
